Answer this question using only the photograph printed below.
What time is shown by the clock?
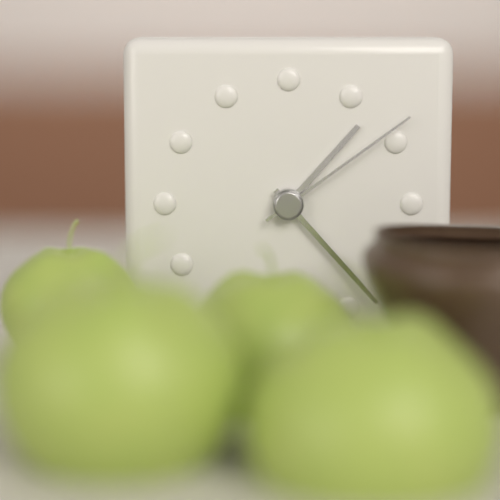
1:23:09
